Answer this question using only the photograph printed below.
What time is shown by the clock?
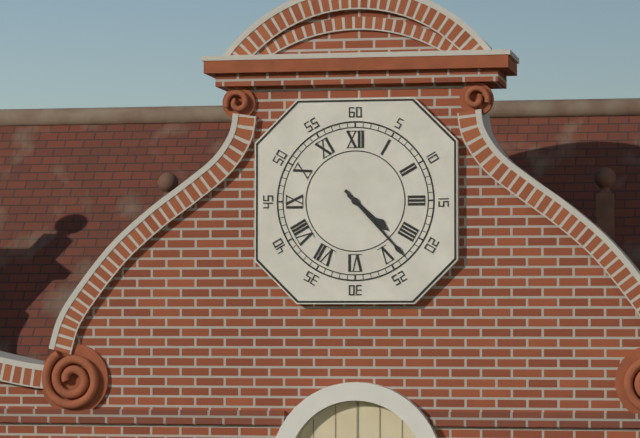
4:23
